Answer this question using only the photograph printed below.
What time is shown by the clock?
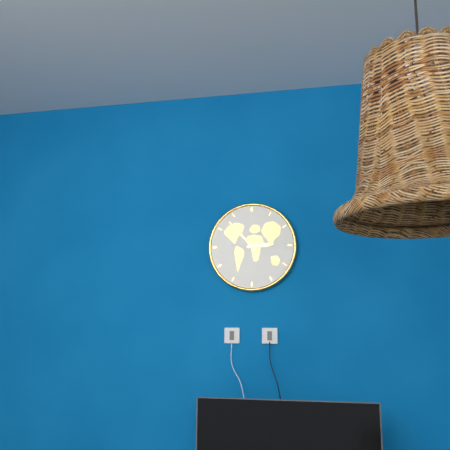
2:53
